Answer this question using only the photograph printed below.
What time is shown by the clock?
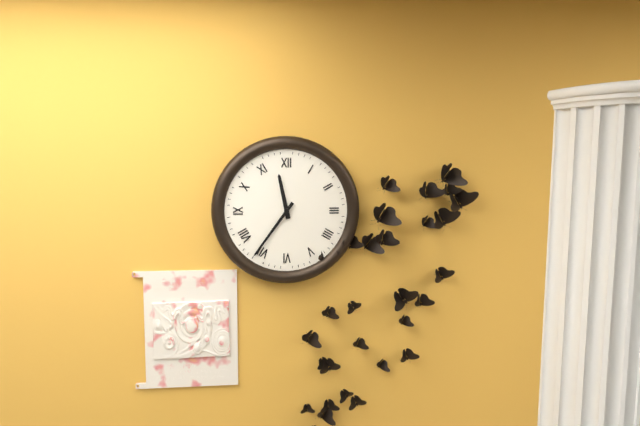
11:36
